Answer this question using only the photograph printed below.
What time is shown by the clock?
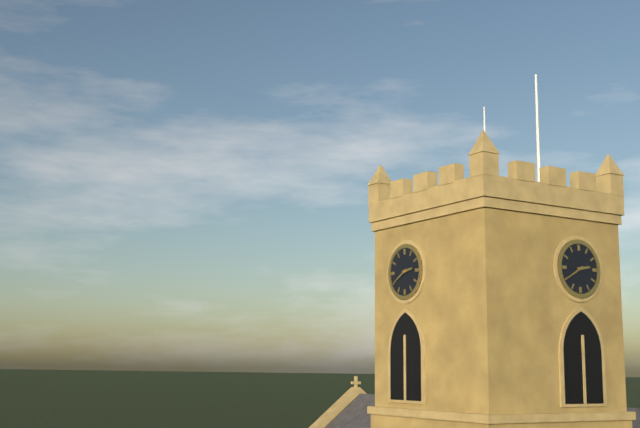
2:40
